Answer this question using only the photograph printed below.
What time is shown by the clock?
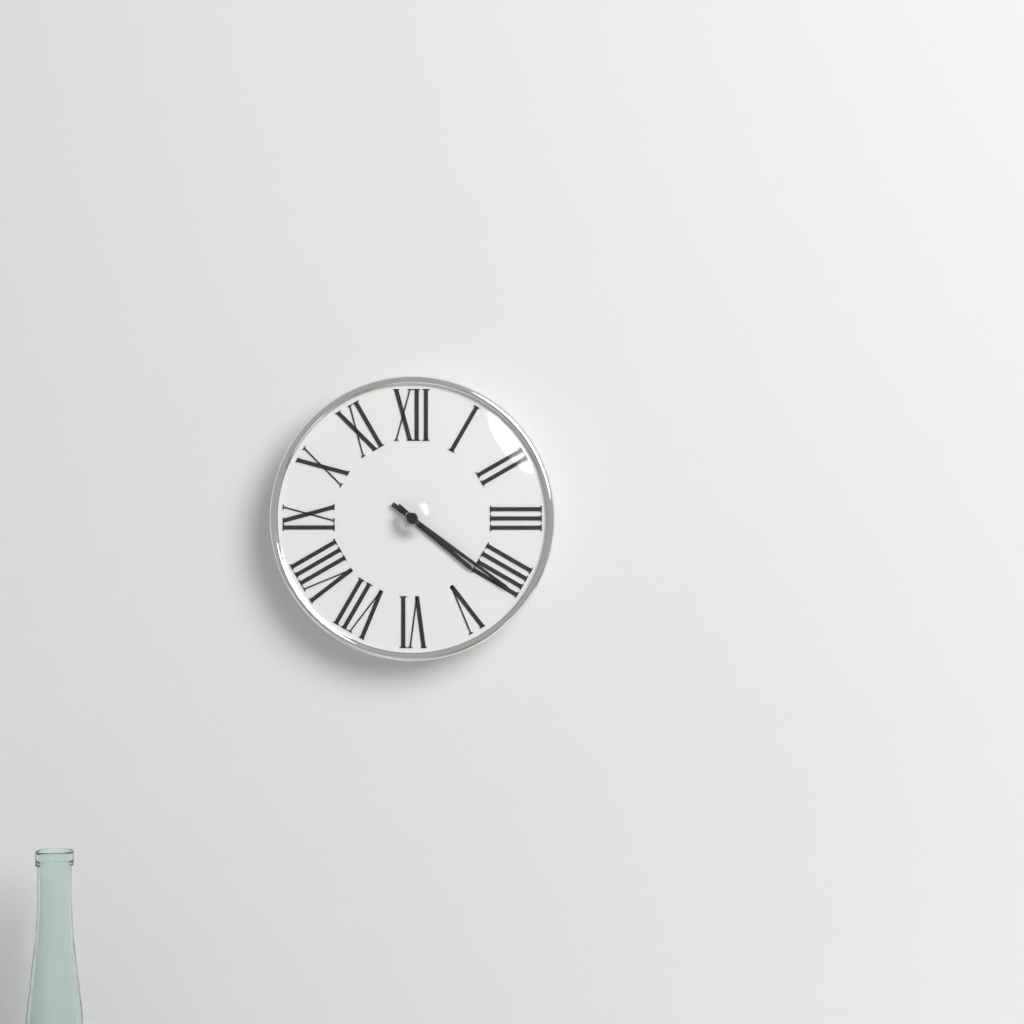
4:21
